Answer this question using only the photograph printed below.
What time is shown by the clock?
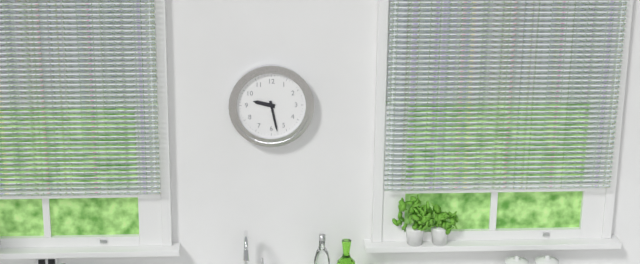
9:28
